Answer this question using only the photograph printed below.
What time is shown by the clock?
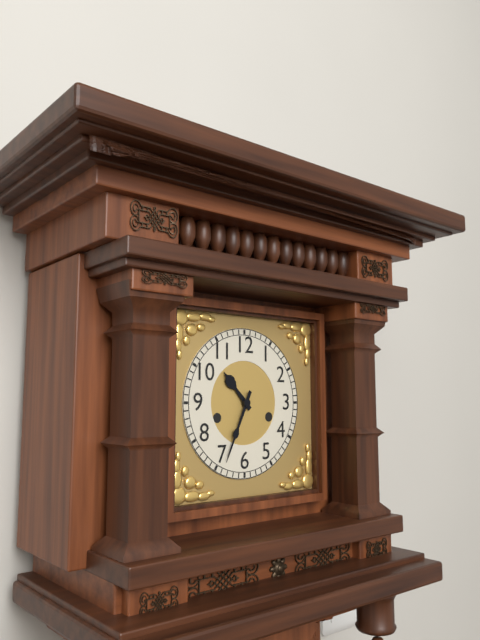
10:34
